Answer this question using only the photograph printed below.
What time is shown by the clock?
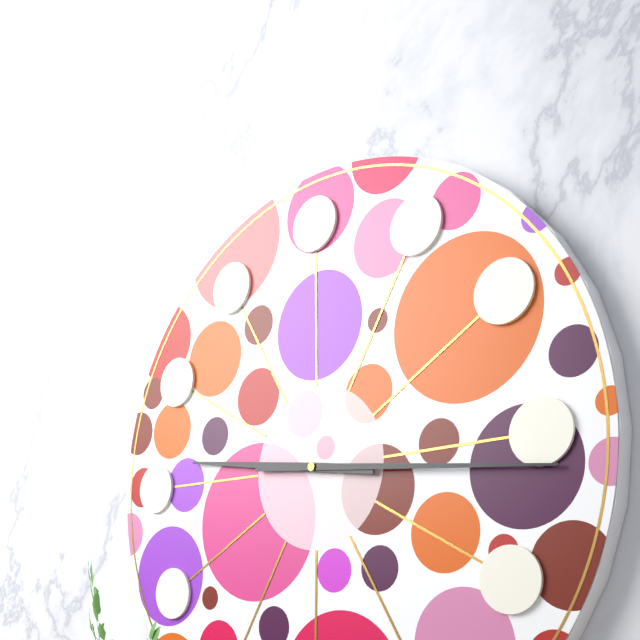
9:16
